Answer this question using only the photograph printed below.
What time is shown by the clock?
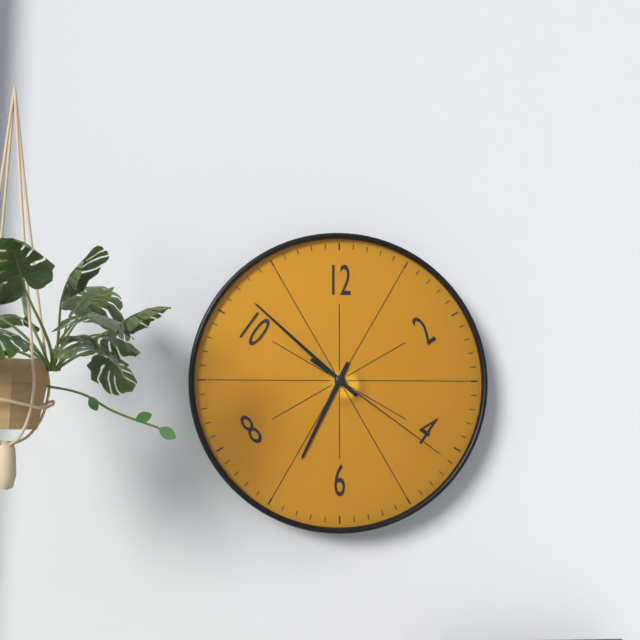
6:52:21
